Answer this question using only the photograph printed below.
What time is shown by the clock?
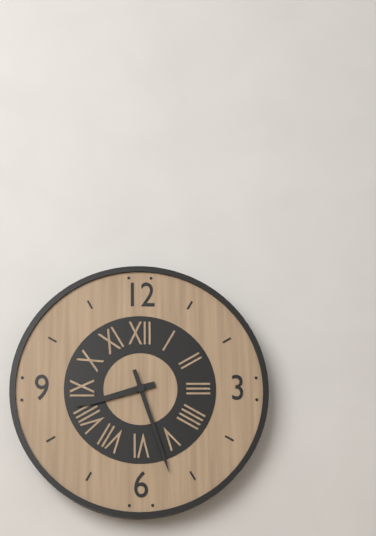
8:27
